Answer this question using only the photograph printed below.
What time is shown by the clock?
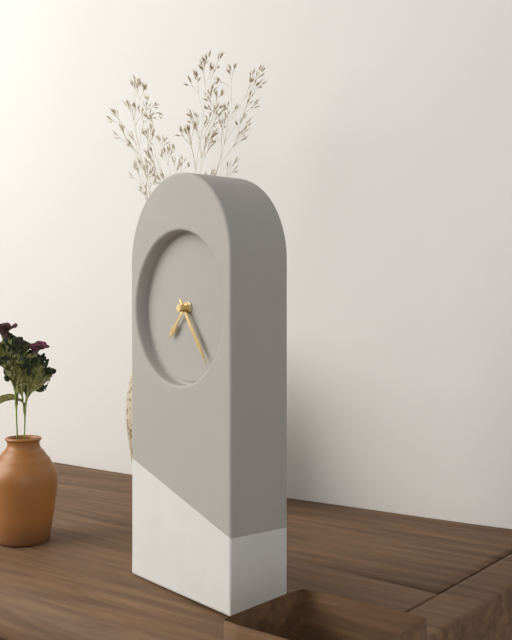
7:24
